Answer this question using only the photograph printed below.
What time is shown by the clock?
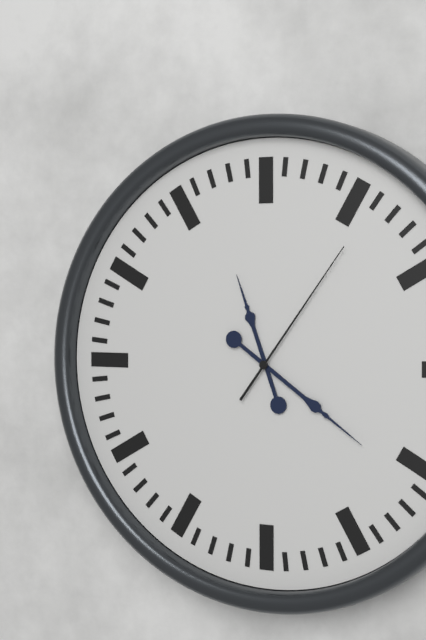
11:21:06
